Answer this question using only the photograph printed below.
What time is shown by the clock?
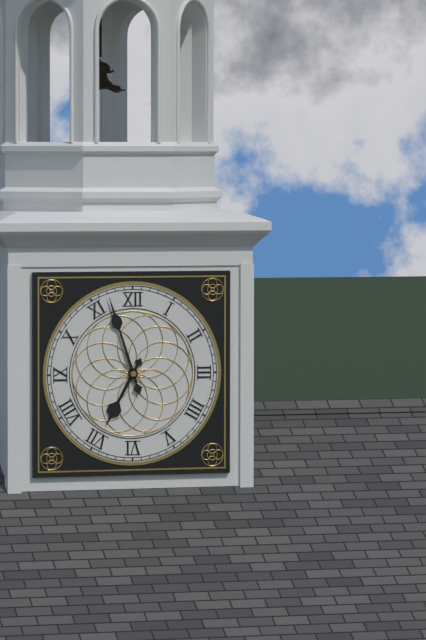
6:57
